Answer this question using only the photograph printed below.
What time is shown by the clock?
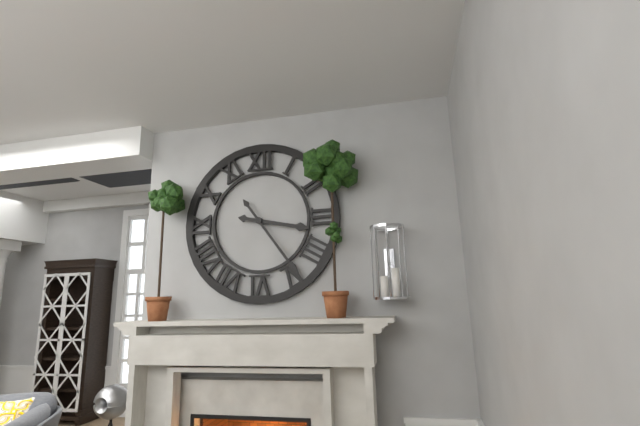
3:24
